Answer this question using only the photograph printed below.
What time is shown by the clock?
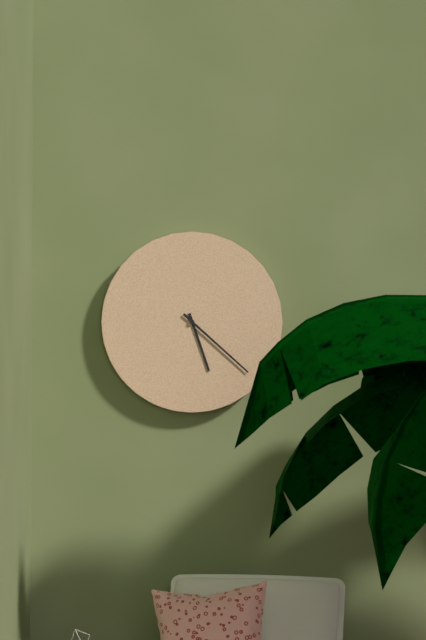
5:22
